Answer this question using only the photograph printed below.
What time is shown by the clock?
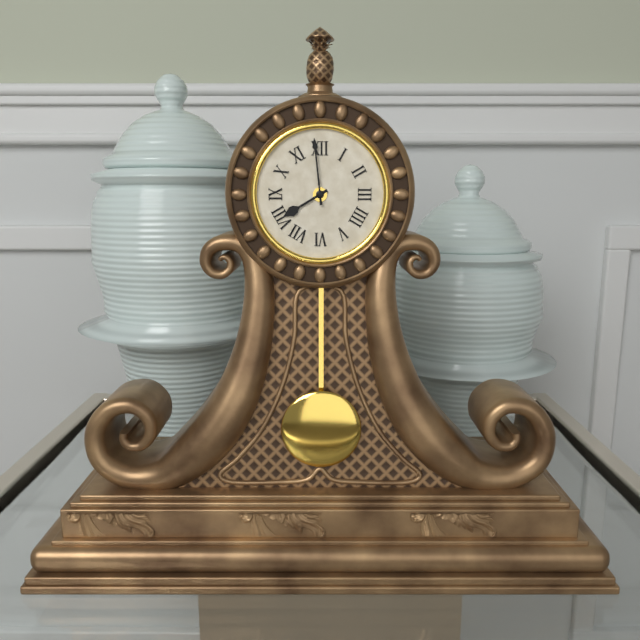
7:59
